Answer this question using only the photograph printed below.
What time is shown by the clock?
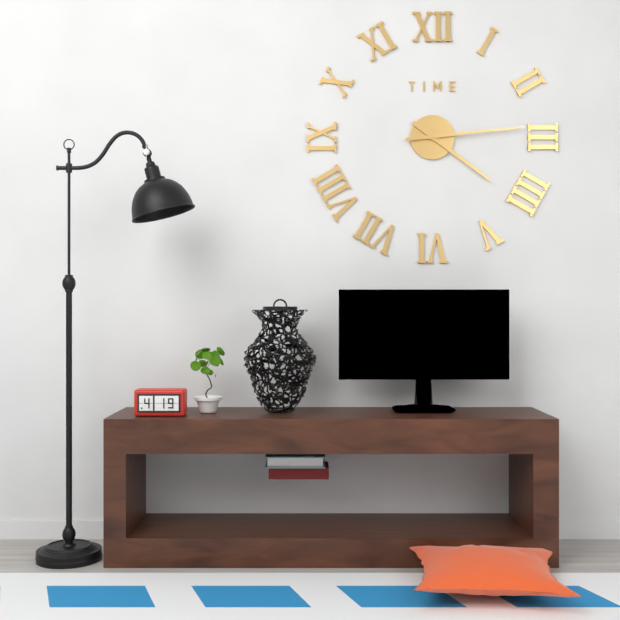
4:14
